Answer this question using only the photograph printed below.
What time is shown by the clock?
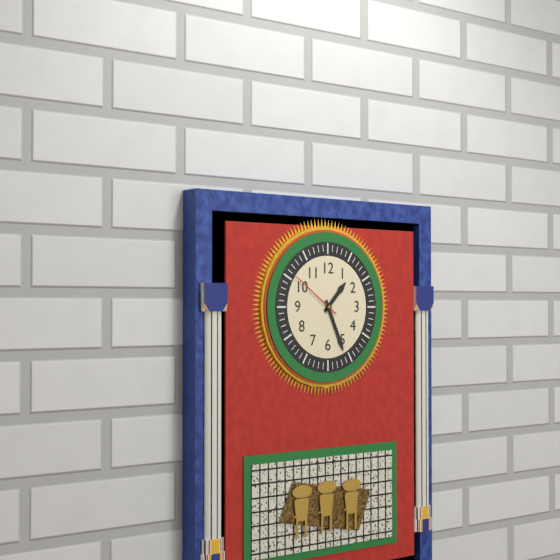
1:26:51
